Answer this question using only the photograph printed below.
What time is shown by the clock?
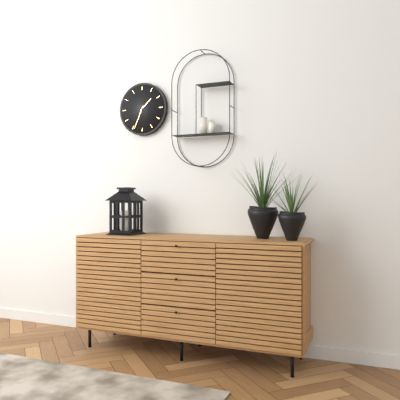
1:34
